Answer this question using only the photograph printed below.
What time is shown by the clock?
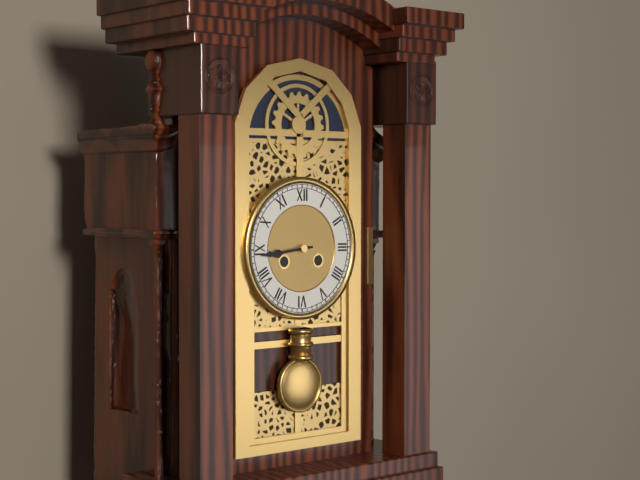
8:44
